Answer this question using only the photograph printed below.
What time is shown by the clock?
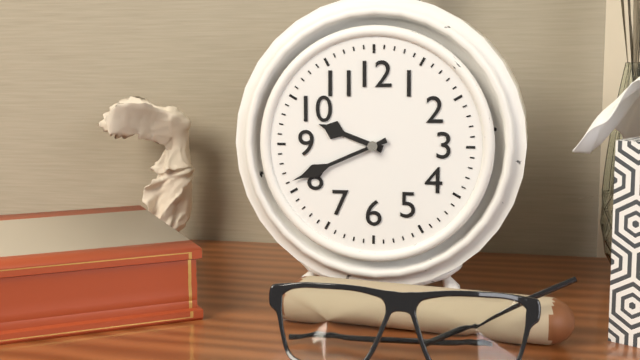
9:41
